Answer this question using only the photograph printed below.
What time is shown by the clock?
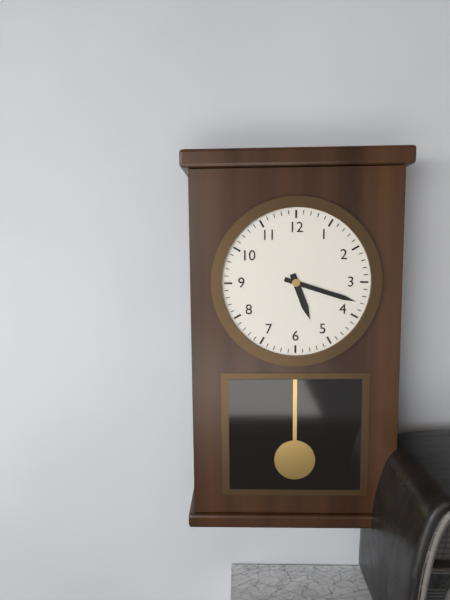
5:18
